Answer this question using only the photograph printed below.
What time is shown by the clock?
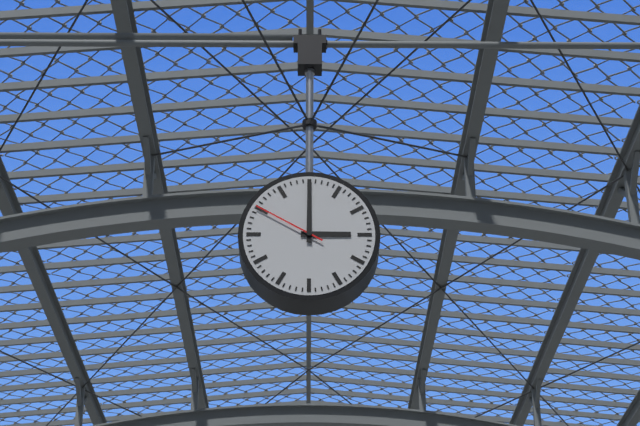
3:00:50
